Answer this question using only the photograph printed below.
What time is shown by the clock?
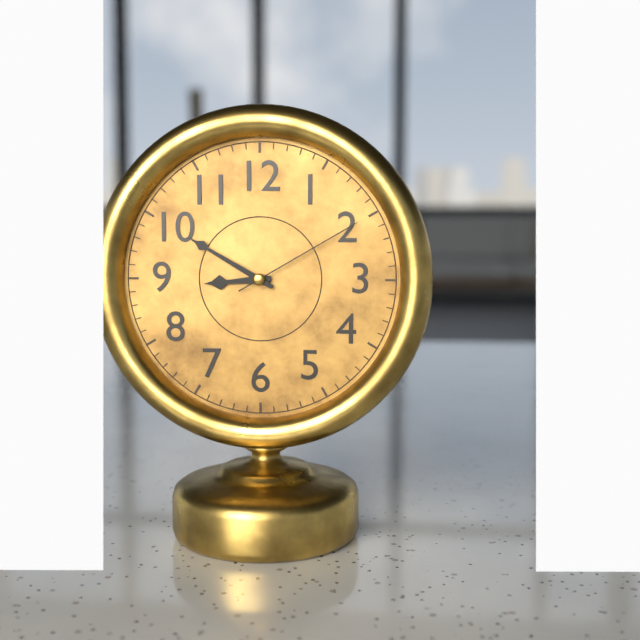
8:50:10
